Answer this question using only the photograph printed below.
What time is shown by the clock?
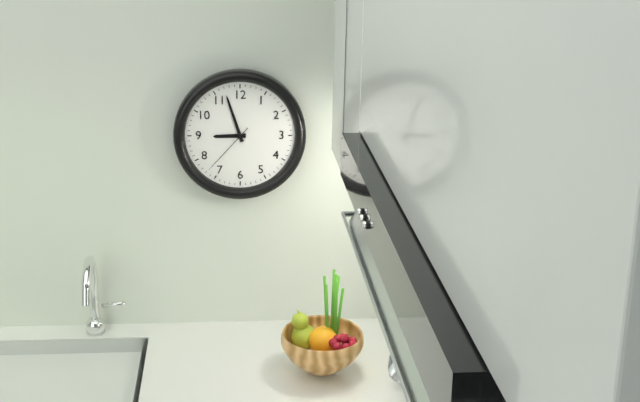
8:57:37
